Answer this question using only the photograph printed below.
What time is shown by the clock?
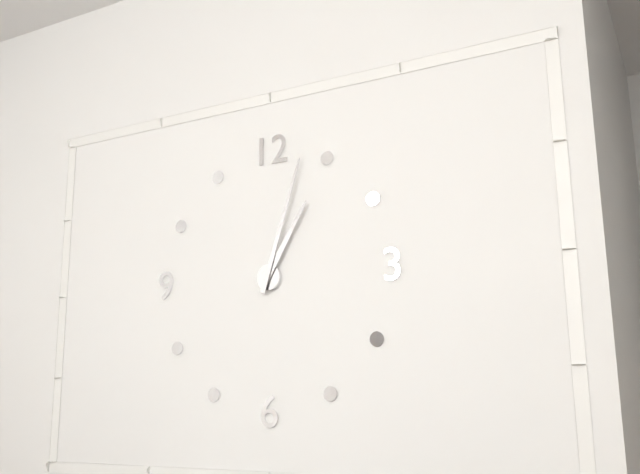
1:03
